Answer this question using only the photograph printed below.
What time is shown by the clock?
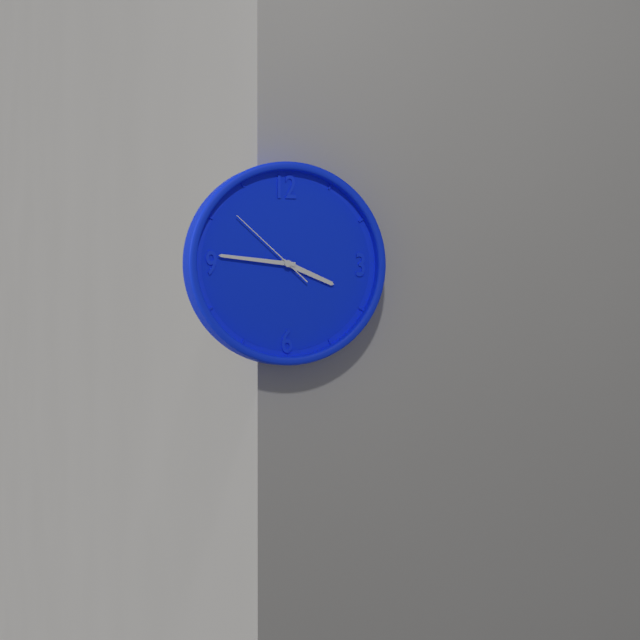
3:46:52
